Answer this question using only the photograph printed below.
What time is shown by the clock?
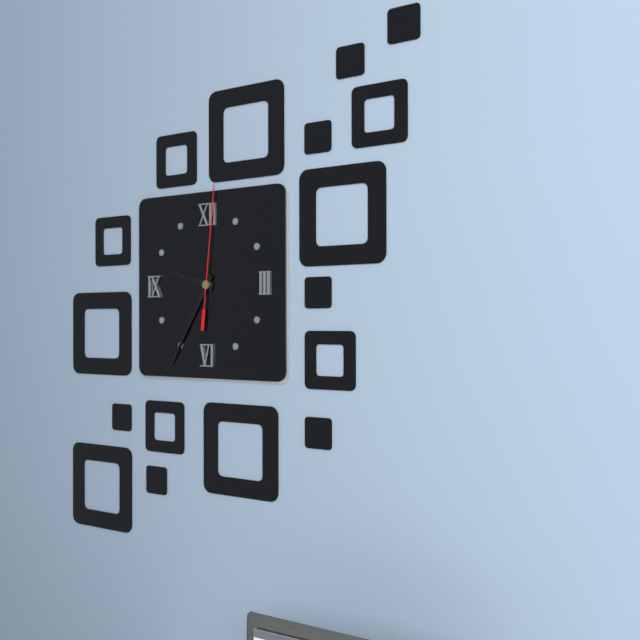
9:35:01
